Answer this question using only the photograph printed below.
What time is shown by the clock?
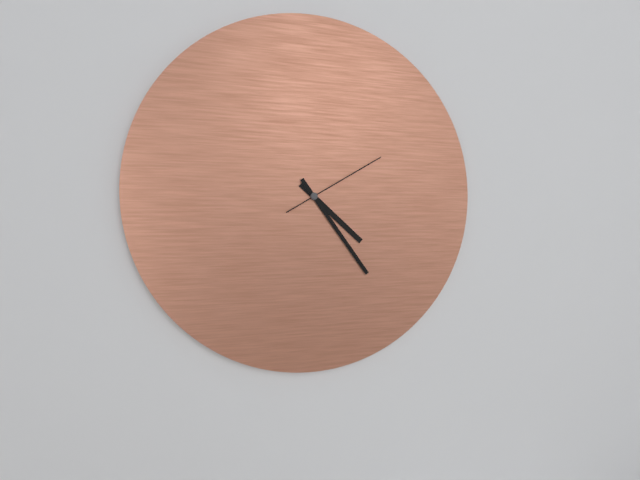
4:24:10
